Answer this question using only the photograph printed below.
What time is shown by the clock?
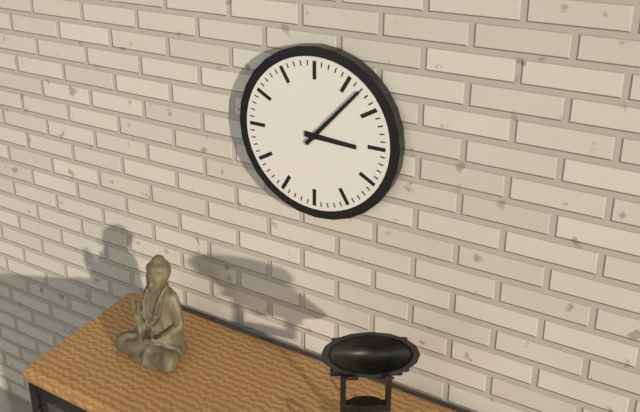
3:07
